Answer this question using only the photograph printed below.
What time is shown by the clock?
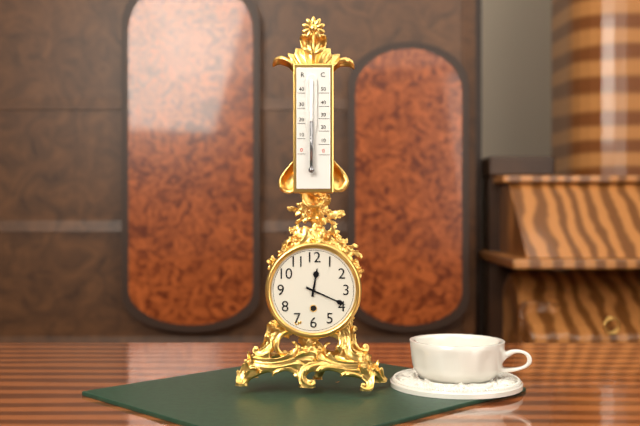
12:19
